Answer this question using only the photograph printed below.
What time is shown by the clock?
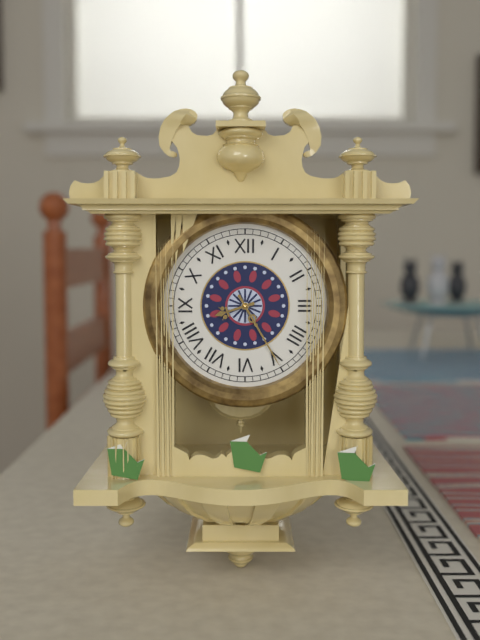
8:25
